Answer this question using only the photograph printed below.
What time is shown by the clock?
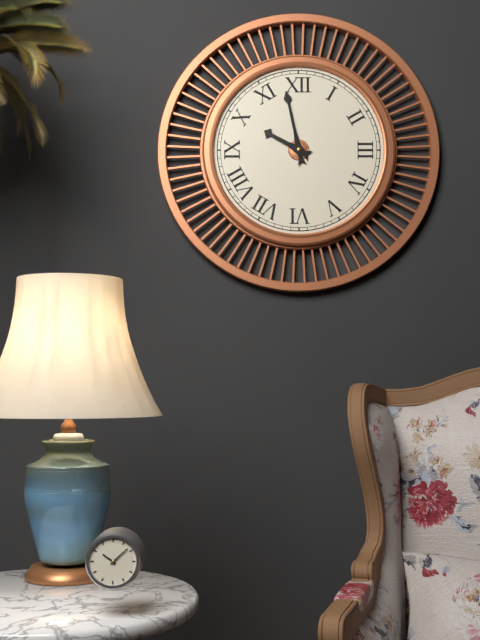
9:58
